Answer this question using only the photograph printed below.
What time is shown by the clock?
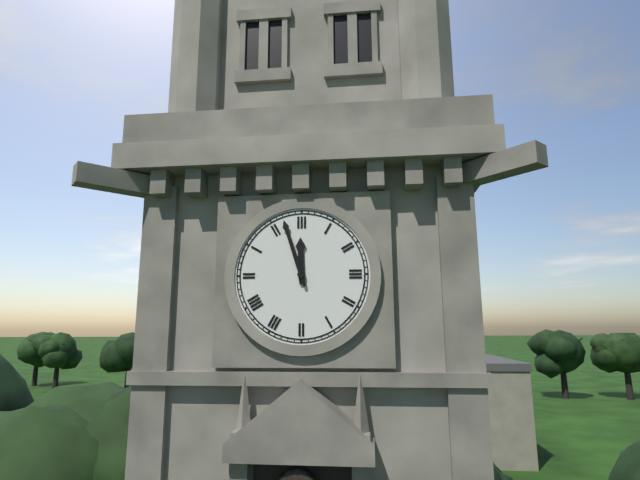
11:57
